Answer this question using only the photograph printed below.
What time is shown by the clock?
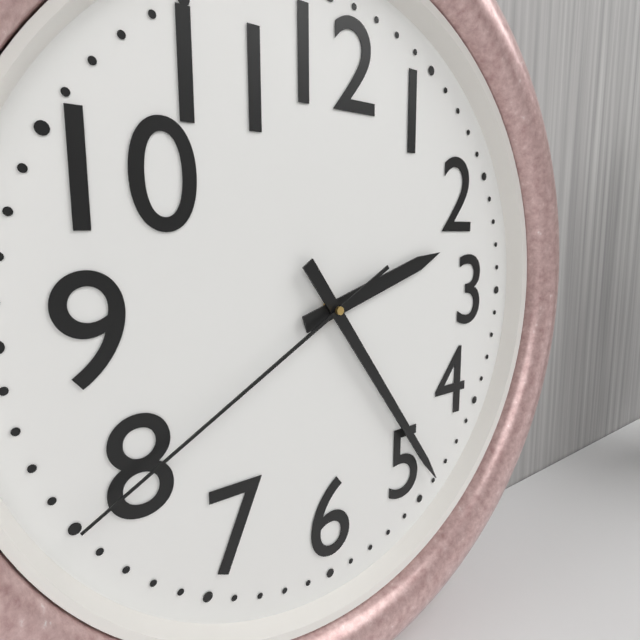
2:24:40
